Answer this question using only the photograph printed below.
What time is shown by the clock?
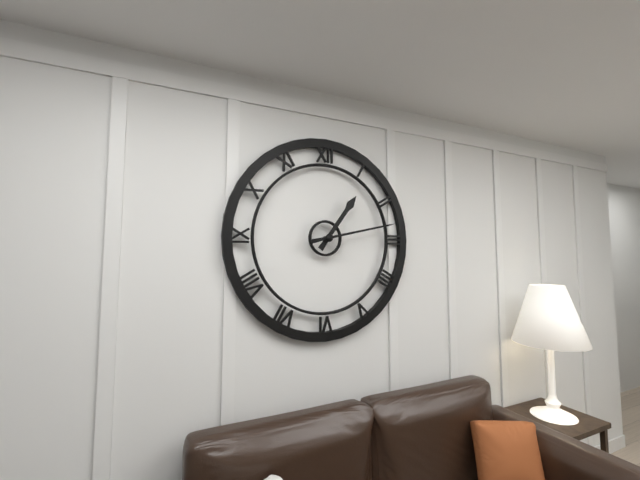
1:13
